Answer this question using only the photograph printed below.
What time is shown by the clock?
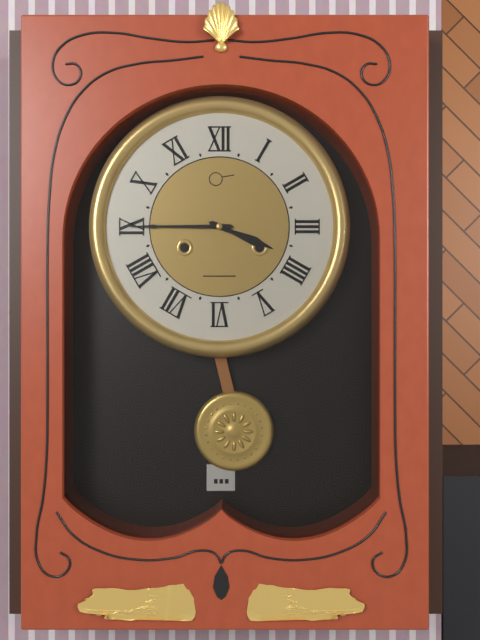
3:45
